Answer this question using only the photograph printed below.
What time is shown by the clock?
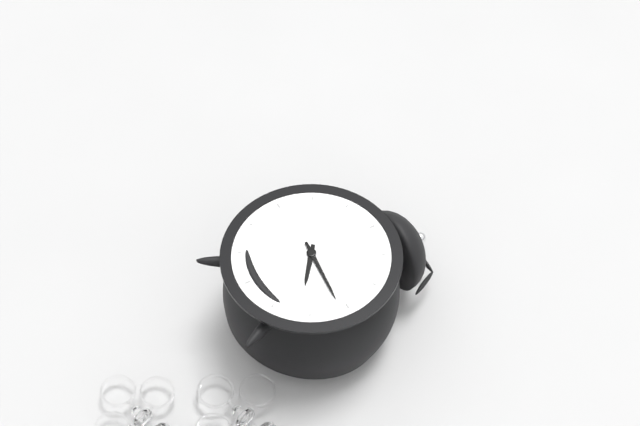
4:16
